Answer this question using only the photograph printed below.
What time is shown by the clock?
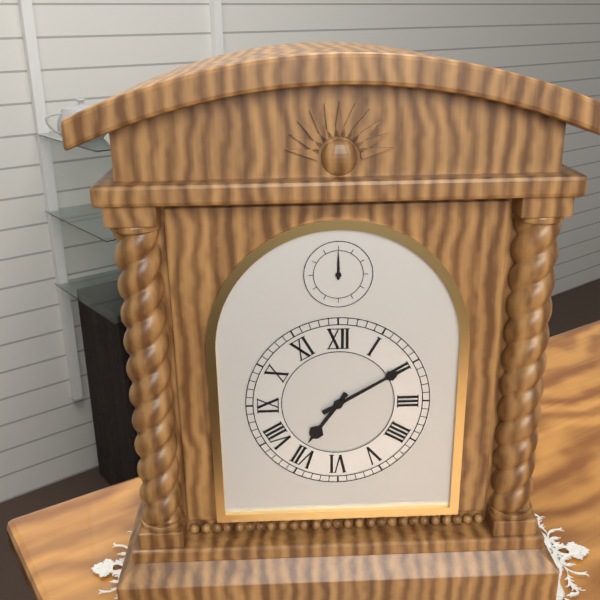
7:10
